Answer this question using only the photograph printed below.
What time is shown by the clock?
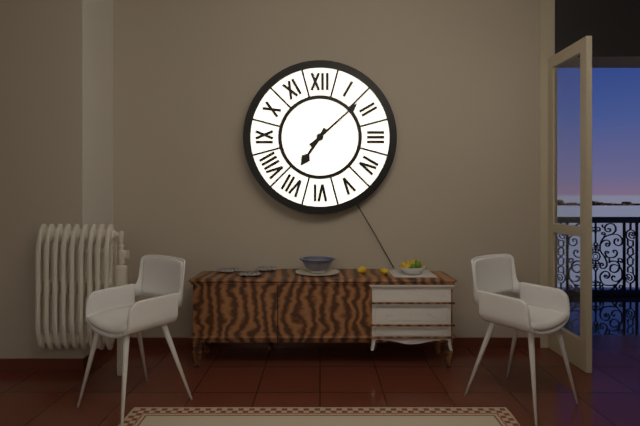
7:08
